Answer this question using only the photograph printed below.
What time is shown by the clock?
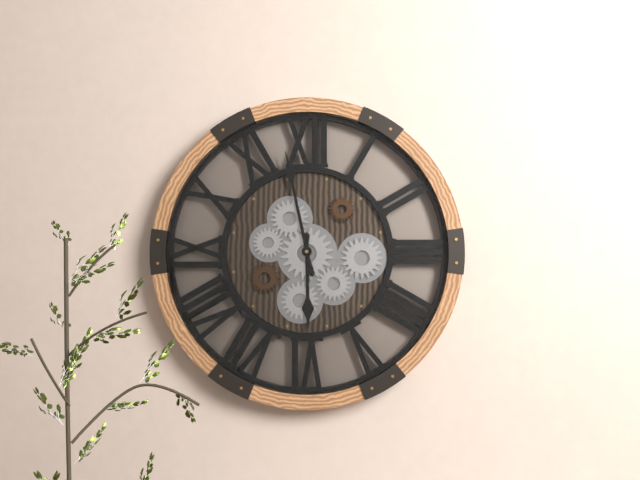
5:58
